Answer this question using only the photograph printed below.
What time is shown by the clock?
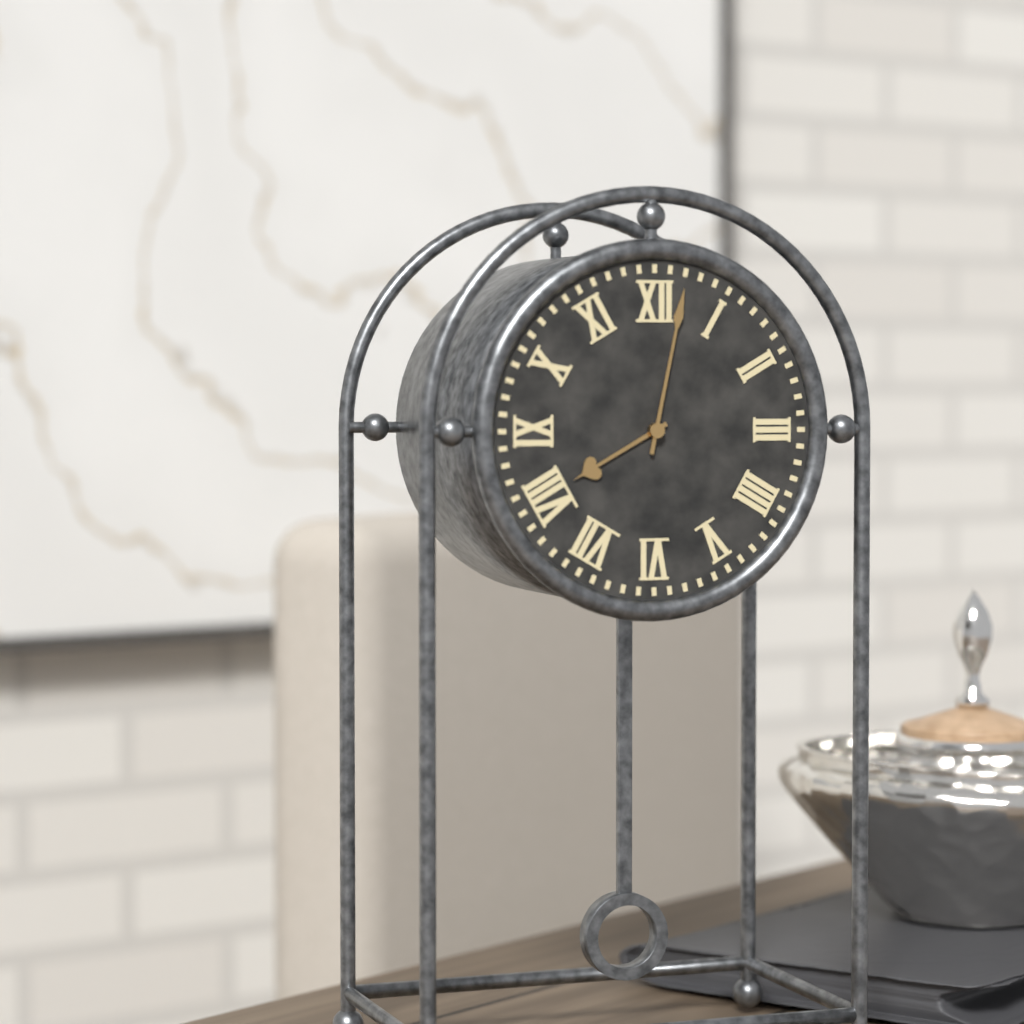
8:02
